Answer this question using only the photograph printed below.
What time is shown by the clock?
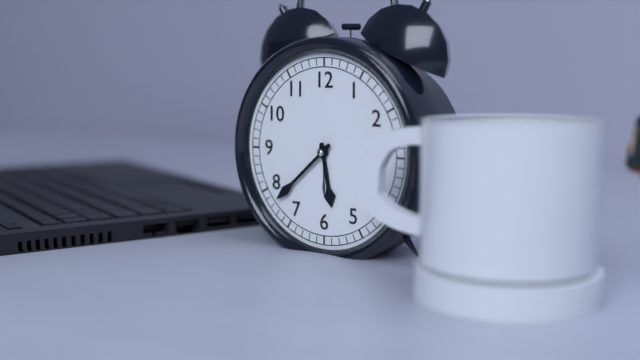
5:38
